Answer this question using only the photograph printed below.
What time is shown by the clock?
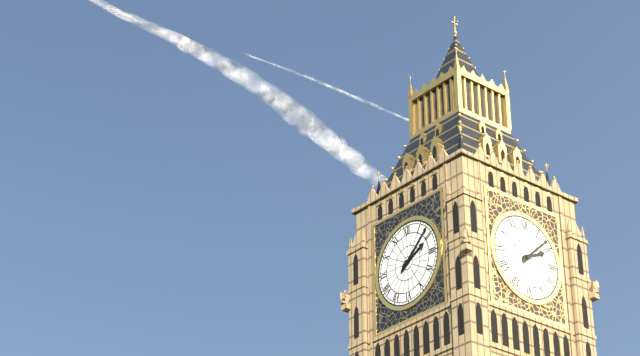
2:08
